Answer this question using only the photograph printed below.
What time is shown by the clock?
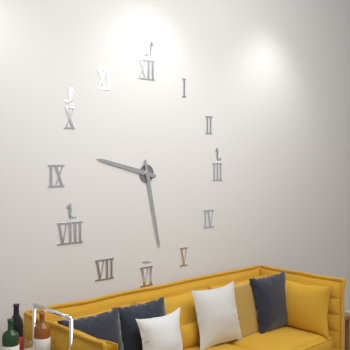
9:28
